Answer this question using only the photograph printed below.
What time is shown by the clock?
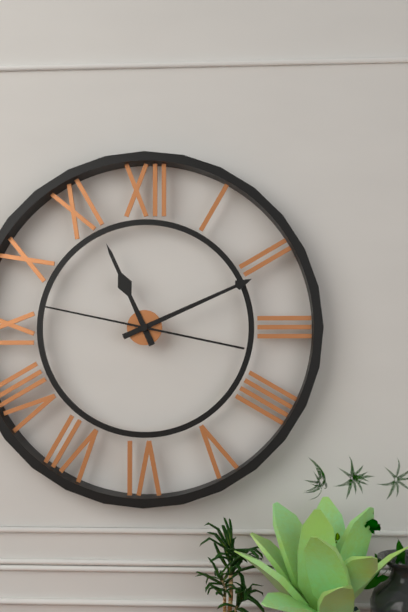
11:11:47
